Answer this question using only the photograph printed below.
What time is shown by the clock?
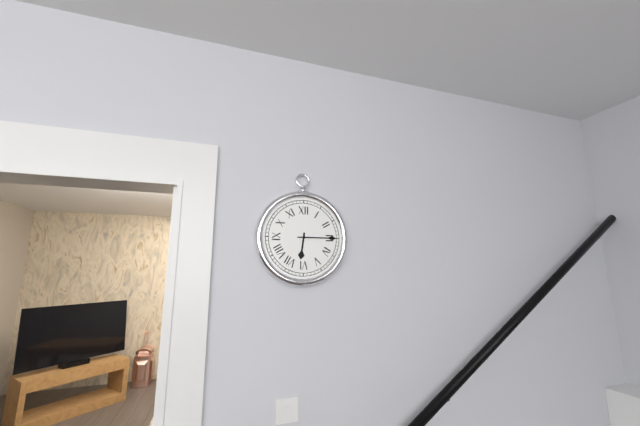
6:15
